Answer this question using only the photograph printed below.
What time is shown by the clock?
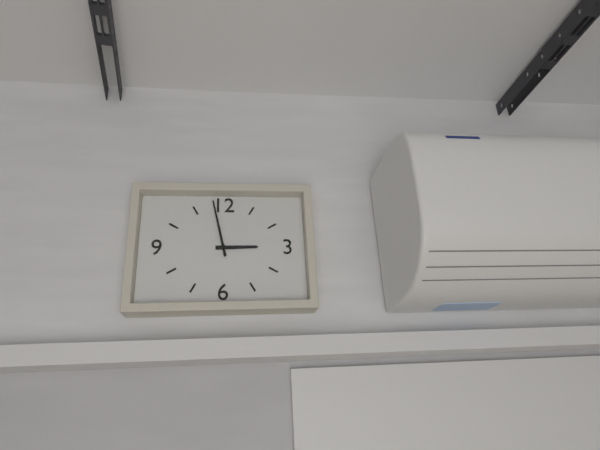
2:58
